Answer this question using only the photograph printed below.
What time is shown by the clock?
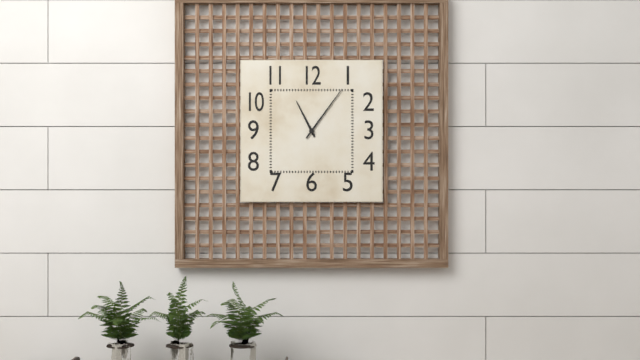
11:06
